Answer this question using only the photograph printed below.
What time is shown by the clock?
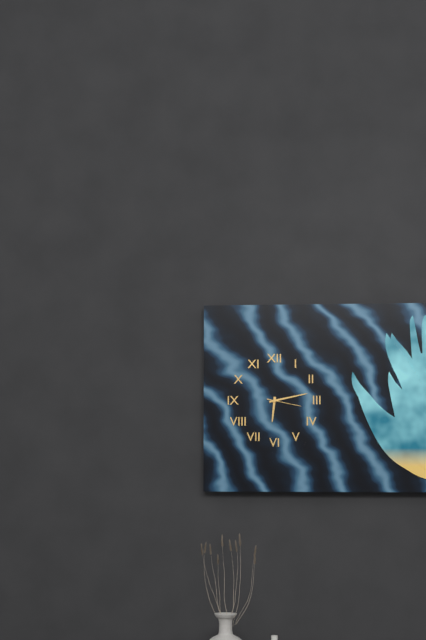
6:13
